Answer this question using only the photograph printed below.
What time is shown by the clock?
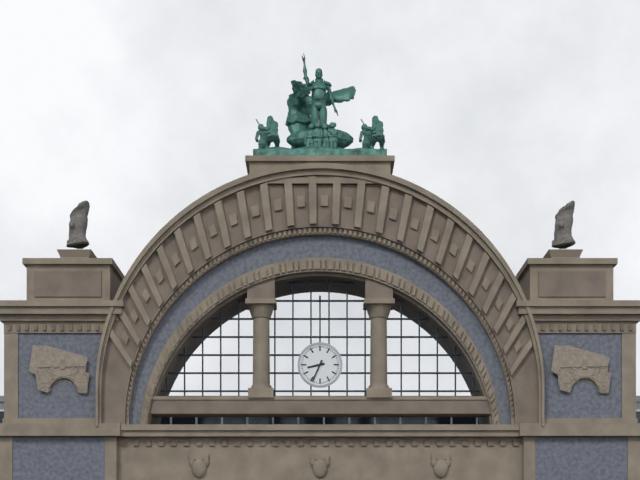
8:34
